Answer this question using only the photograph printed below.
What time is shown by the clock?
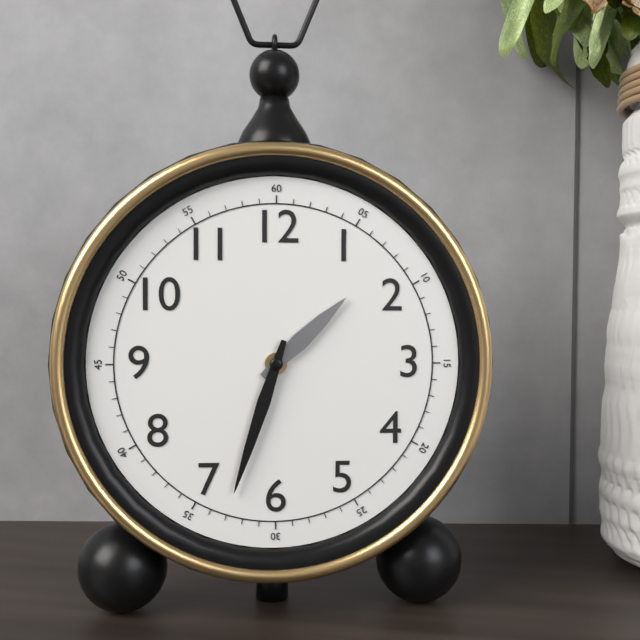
1:33
